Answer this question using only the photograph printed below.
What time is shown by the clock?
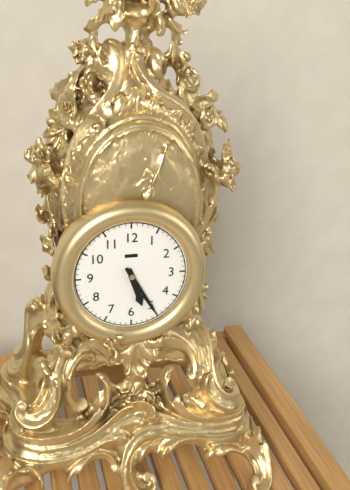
5:25
